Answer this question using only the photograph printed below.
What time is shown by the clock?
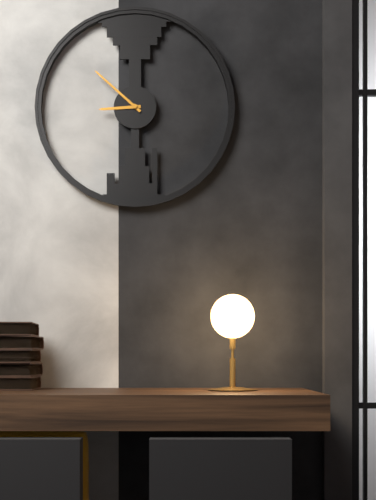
8:52
